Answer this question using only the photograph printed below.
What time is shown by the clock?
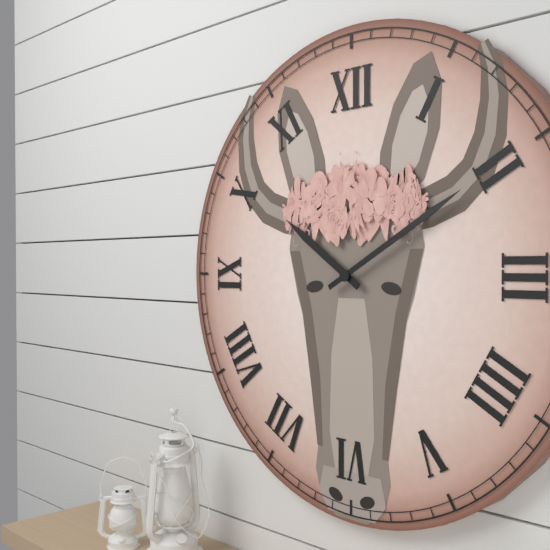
10:10
